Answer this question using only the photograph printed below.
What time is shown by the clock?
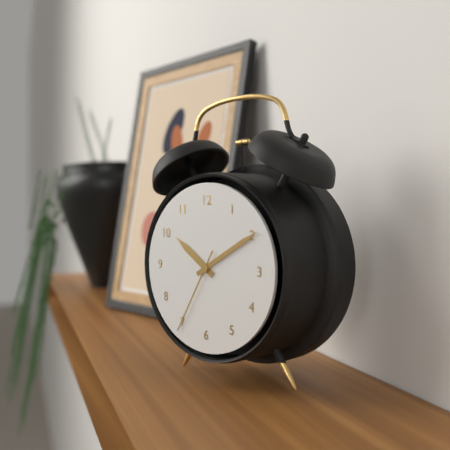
10:10:35
